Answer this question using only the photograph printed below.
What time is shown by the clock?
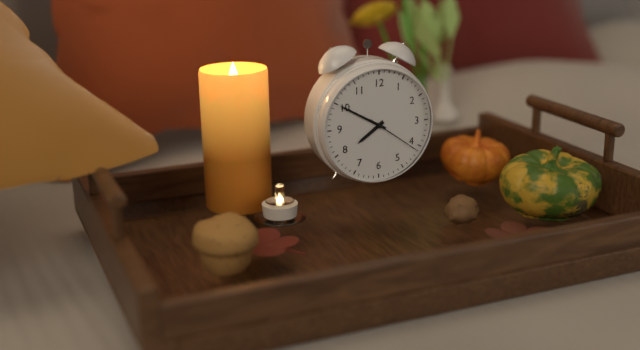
7:50:21
